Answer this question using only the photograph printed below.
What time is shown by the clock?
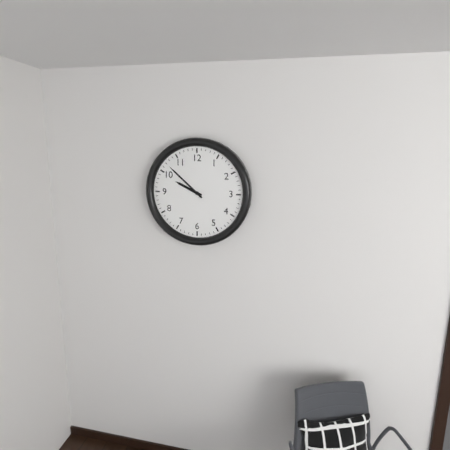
9:52
